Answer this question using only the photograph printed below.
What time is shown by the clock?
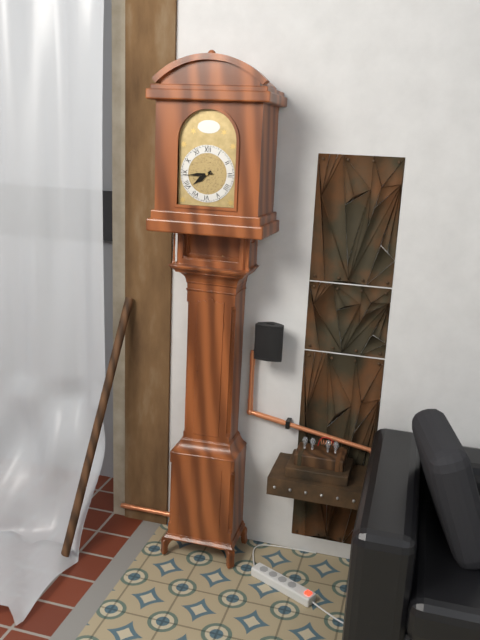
7:44
